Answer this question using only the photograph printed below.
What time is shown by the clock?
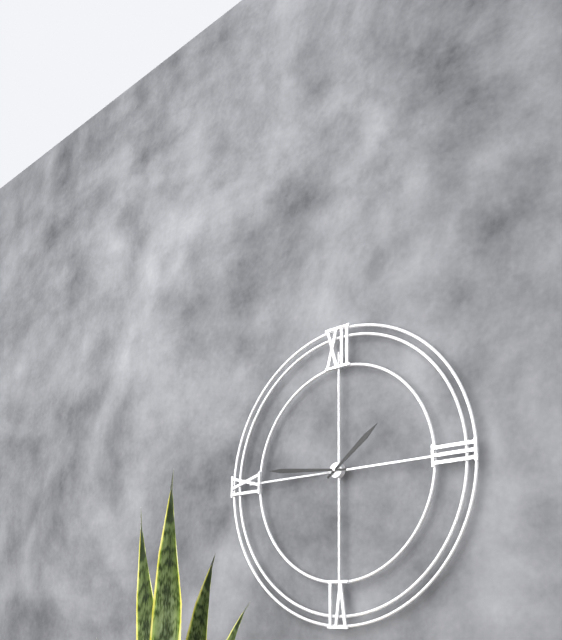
1:46
